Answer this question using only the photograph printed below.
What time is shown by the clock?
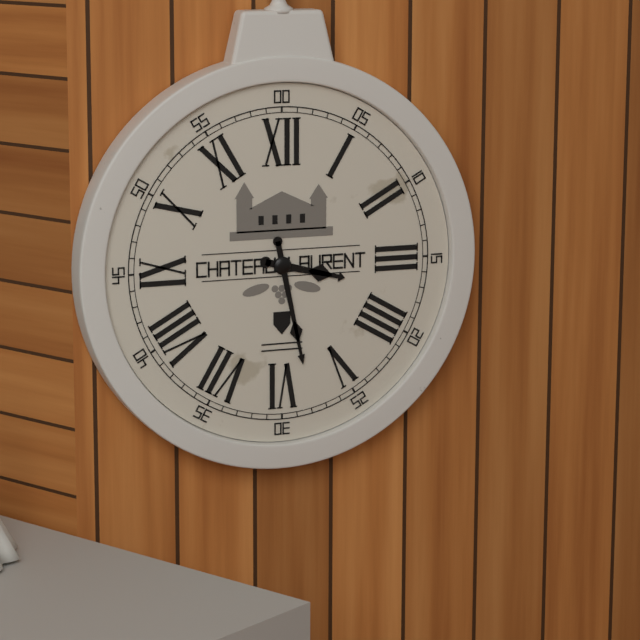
3:28
